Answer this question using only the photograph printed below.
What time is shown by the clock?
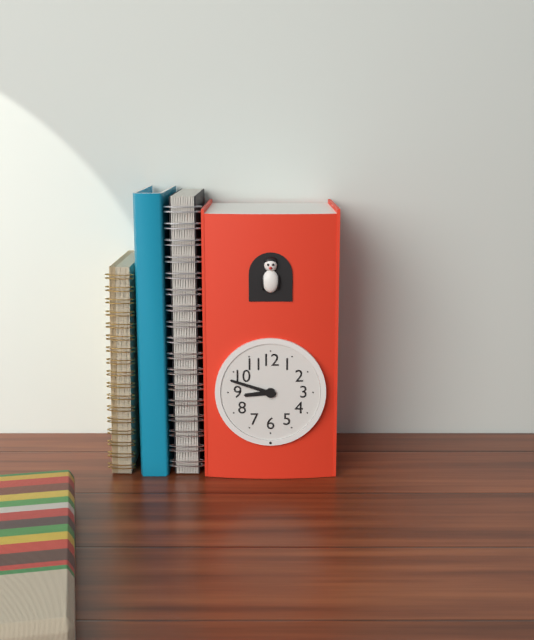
8:48
